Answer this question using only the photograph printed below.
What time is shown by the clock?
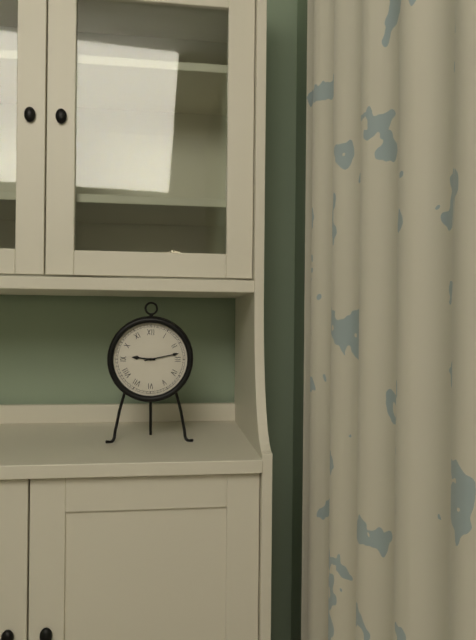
9:13
